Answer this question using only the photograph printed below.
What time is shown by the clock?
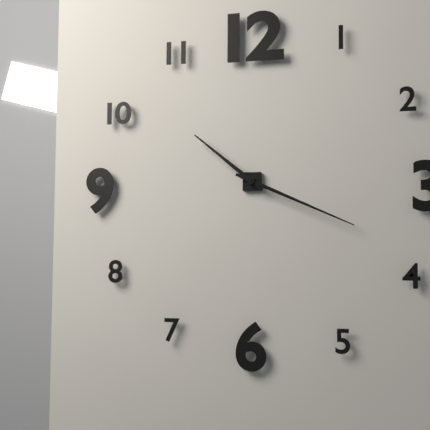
10:19
